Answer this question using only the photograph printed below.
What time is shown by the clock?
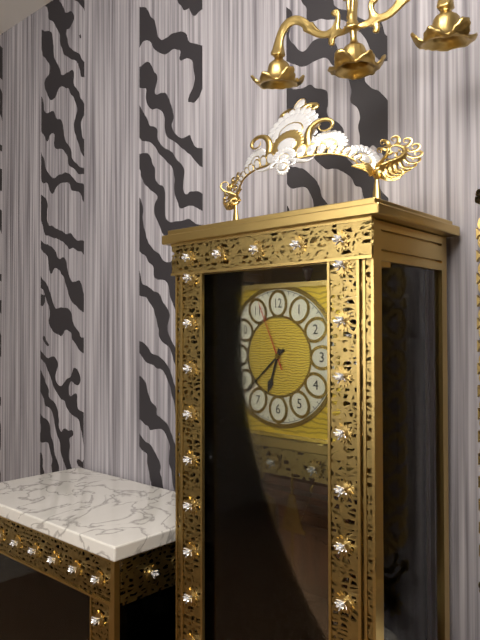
6:38:56
